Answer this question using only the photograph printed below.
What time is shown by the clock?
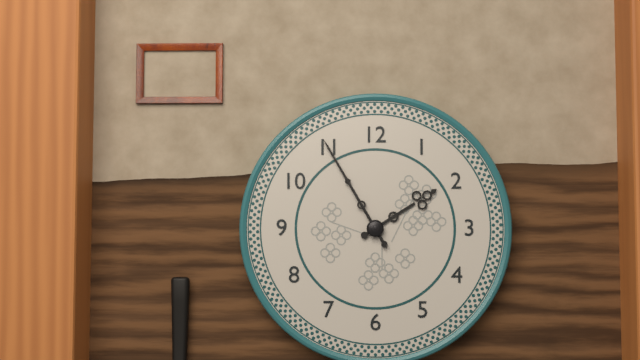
1:55:55
